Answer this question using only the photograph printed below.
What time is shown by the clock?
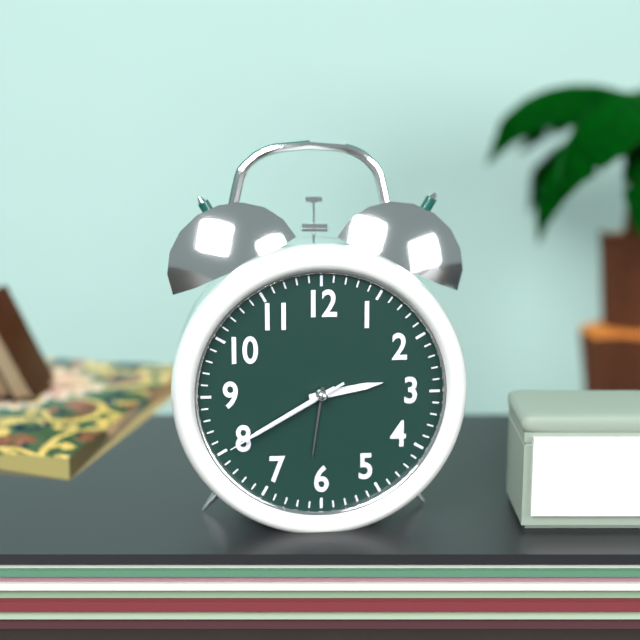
2:40:40
